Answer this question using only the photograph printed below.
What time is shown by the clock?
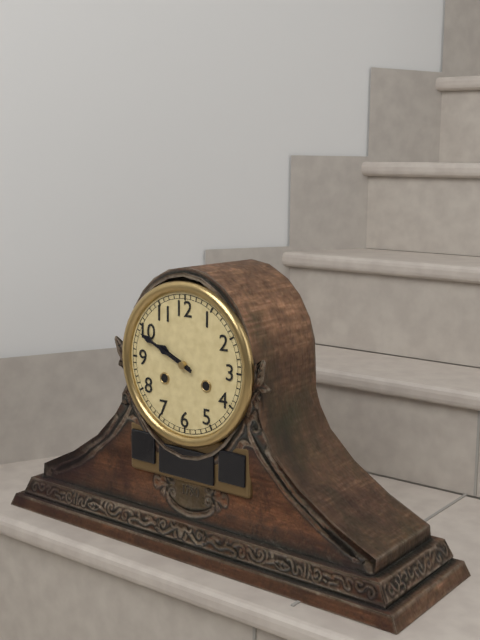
9:49
